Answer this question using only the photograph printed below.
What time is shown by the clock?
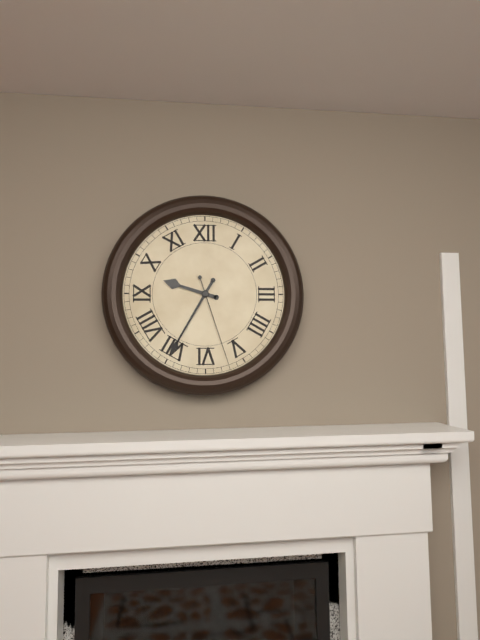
9:35:27
